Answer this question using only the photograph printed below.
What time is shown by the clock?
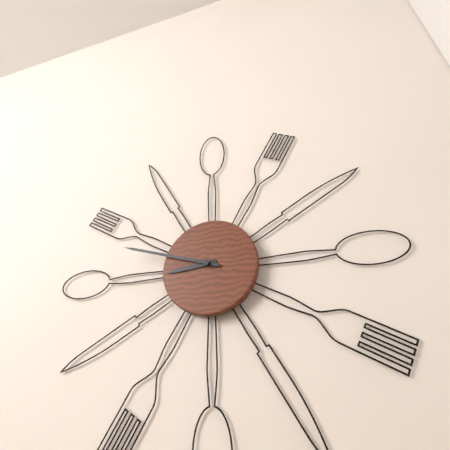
8:48
